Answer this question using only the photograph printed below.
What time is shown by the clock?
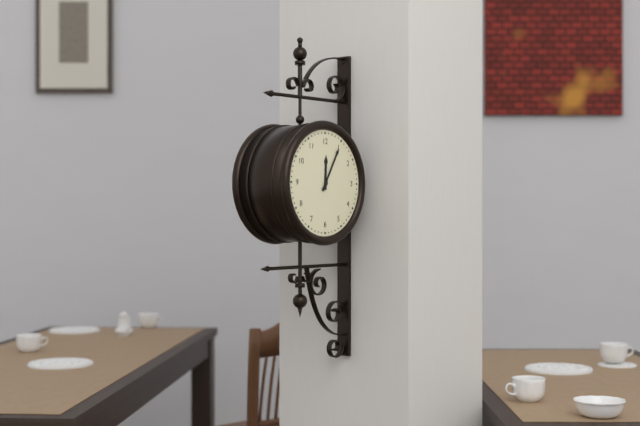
12:05
